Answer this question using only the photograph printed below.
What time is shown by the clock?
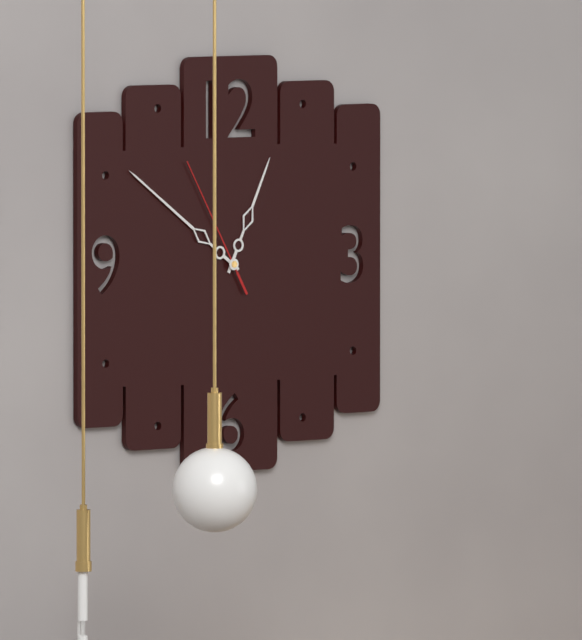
12:51:55
